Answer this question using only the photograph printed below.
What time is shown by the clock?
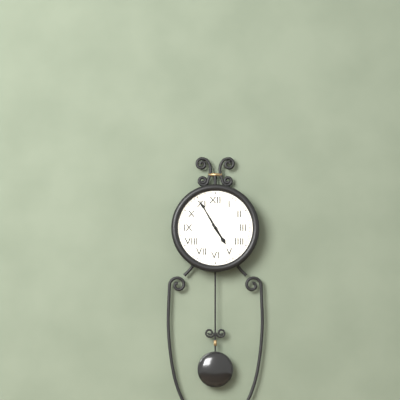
4:55
